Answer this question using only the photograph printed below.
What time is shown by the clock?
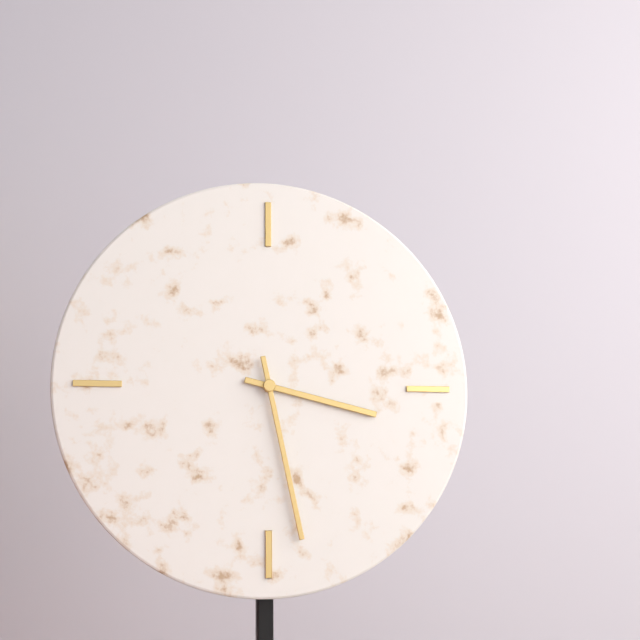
3:28
